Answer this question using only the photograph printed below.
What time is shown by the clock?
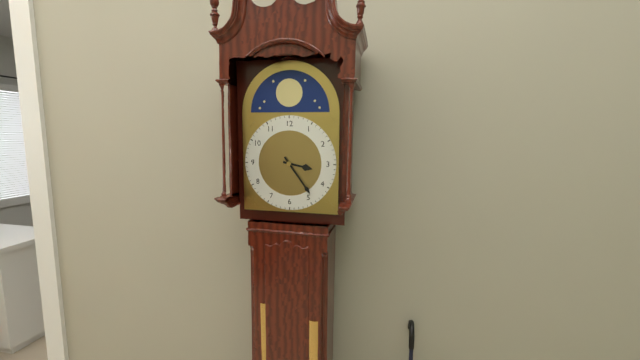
3:24
